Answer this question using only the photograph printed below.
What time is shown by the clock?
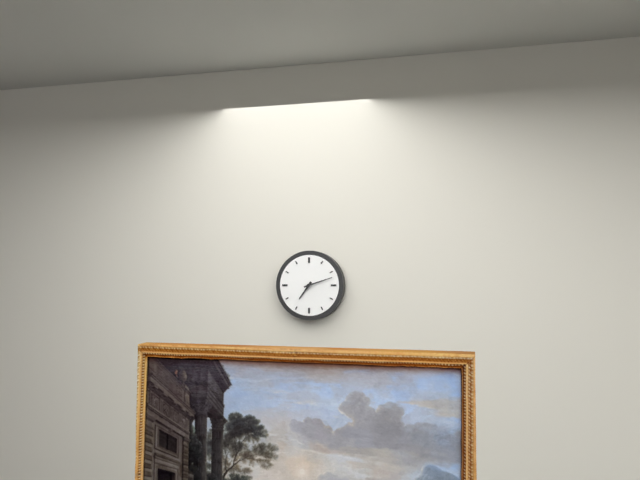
7:12
